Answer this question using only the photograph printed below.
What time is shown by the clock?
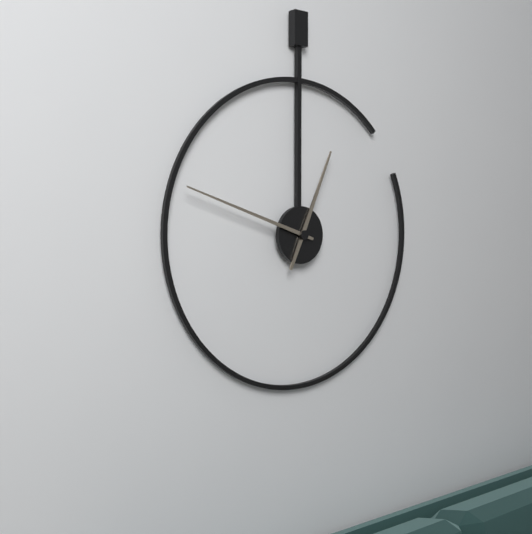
12:48
